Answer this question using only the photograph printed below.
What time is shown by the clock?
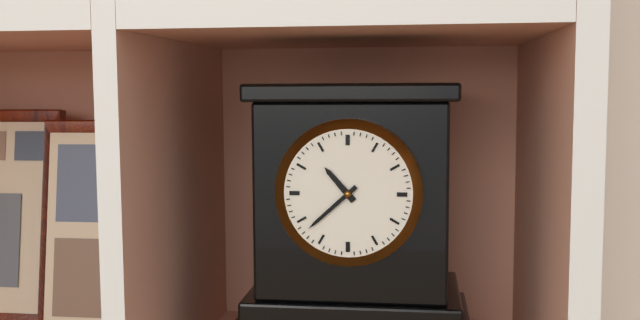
10:38
